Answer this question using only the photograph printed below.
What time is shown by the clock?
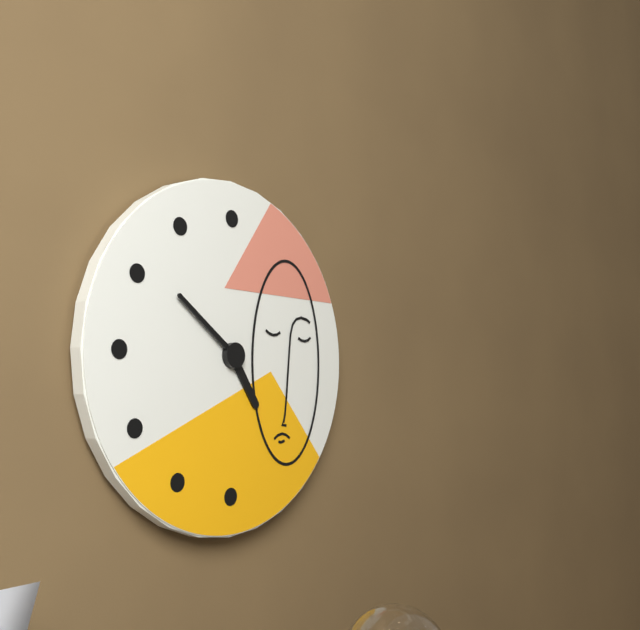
4:51
